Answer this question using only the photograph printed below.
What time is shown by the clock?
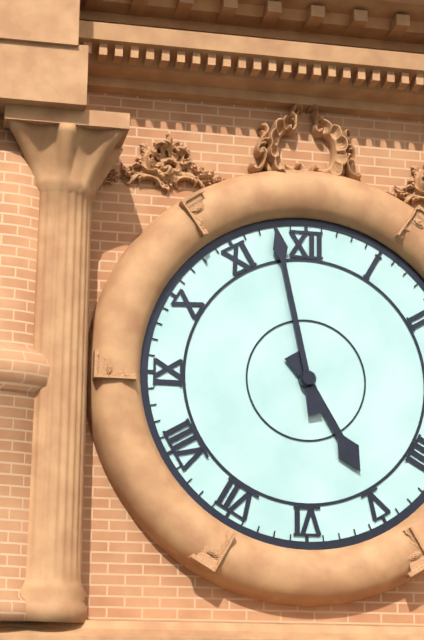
4:58
